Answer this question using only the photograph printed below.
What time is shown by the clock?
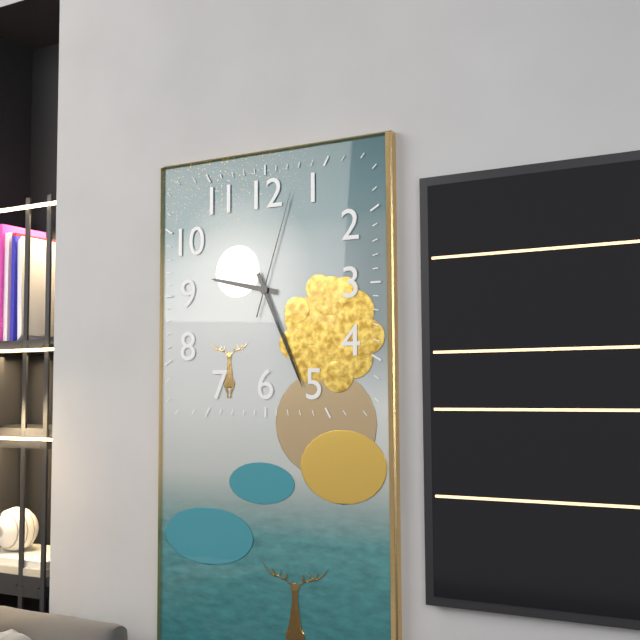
9:26:03
